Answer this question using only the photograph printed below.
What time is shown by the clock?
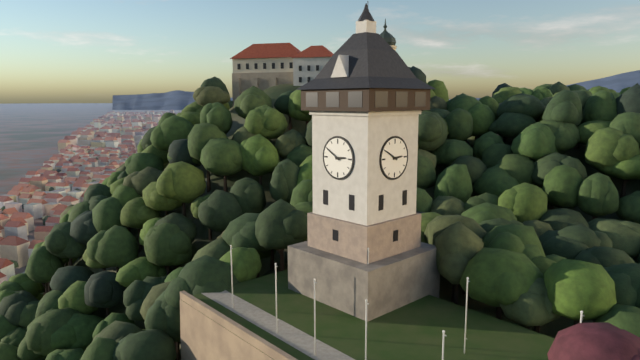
2:50
